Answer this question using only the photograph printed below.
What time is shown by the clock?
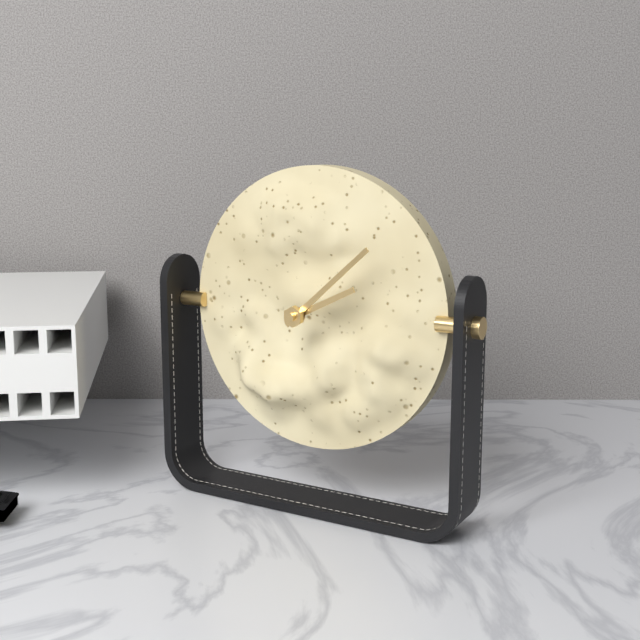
2:08
